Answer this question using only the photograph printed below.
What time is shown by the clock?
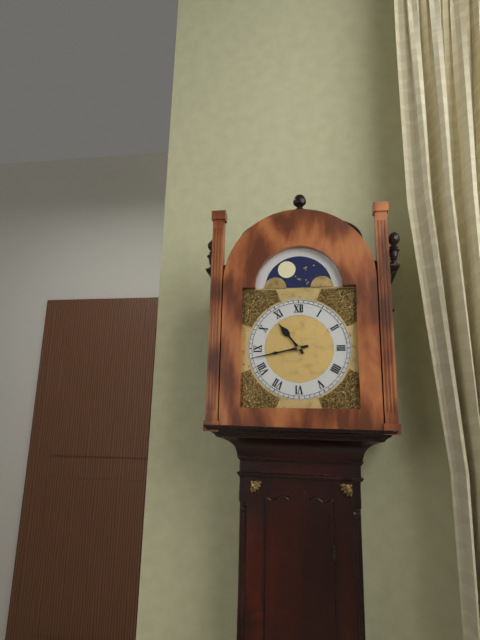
10:43
